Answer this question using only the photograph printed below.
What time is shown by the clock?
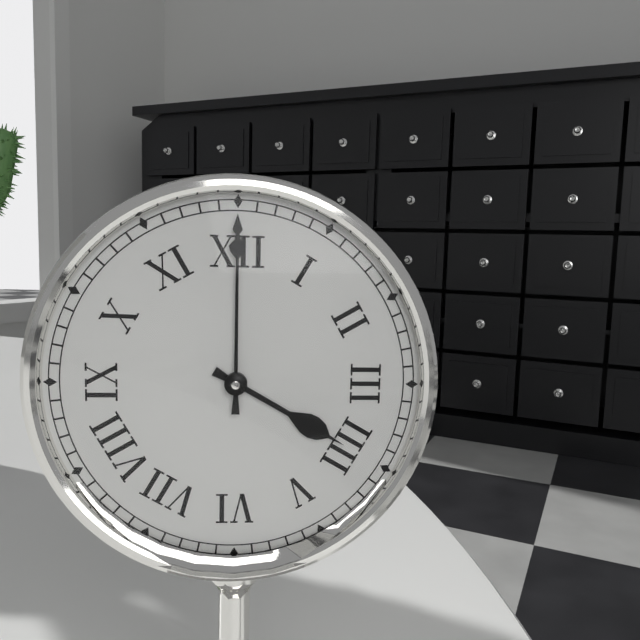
4:00
